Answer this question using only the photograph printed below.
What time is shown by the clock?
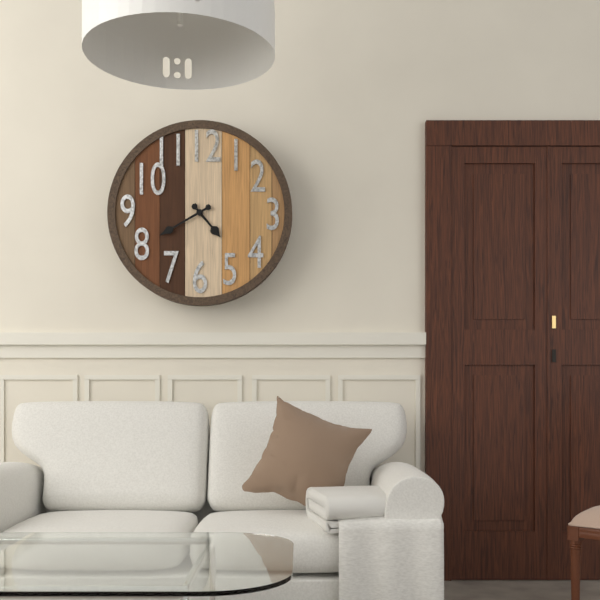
4:40
